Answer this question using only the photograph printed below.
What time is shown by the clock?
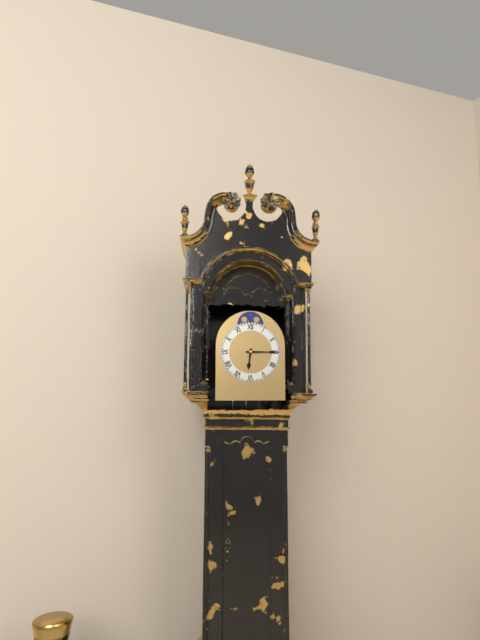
6:15
